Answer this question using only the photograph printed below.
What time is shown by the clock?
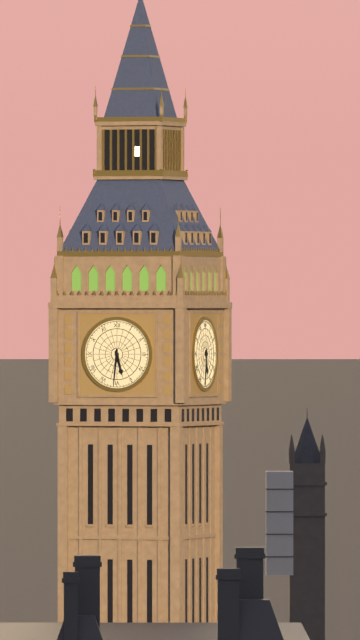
5:31
